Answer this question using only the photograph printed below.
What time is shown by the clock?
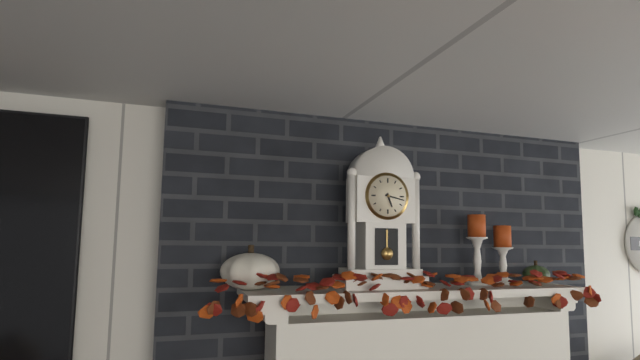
5:17
